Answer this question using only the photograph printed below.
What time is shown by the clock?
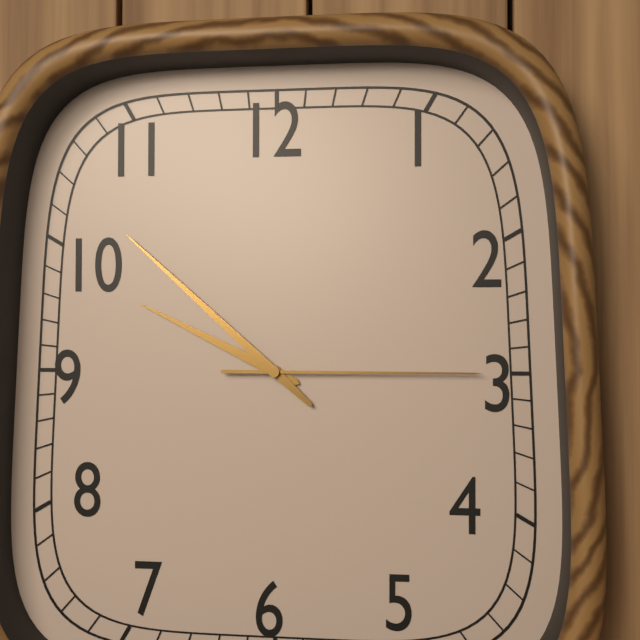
9:52:15
